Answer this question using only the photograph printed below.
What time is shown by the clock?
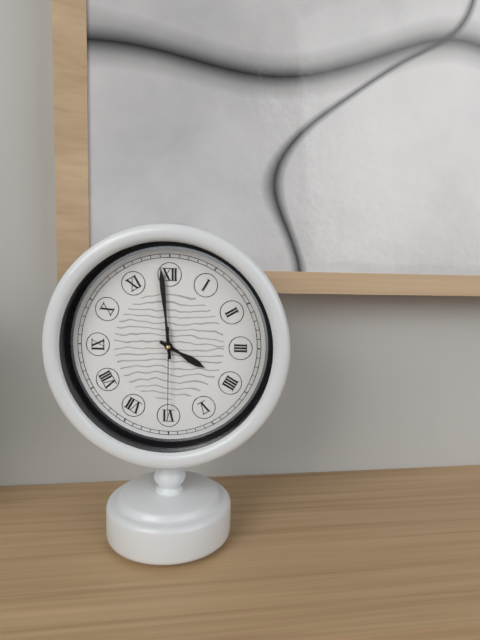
3:59:30
